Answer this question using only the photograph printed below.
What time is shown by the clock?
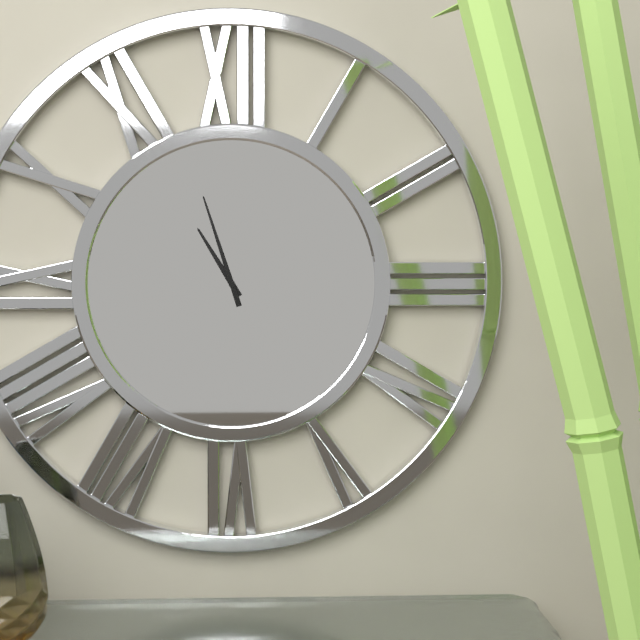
10:57
